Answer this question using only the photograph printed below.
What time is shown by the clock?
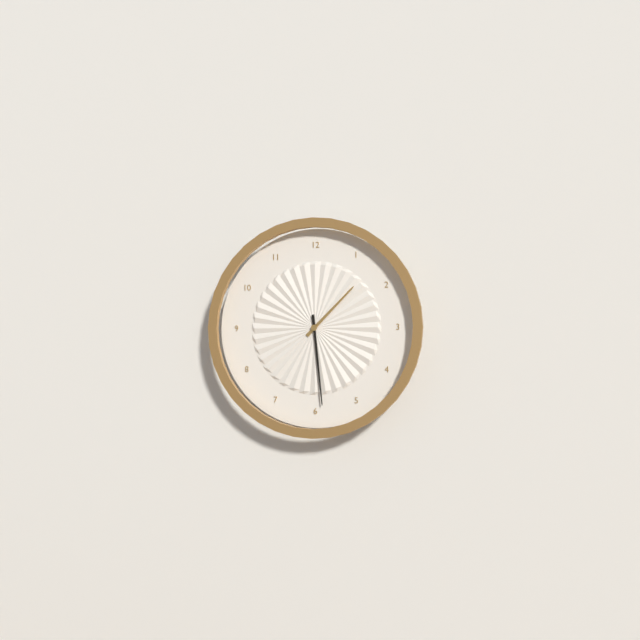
1:29
